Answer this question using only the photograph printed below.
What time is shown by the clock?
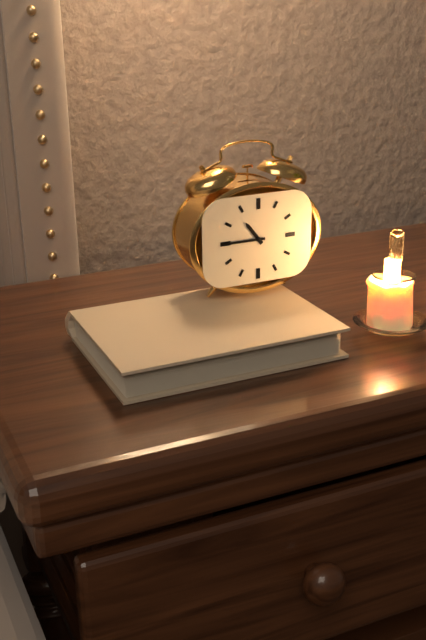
10:45
